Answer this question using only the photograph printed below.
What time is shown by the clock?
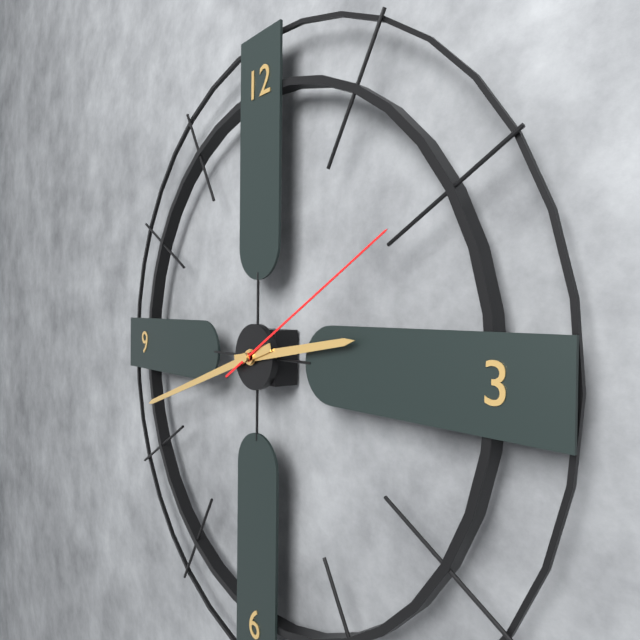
2:42:10
